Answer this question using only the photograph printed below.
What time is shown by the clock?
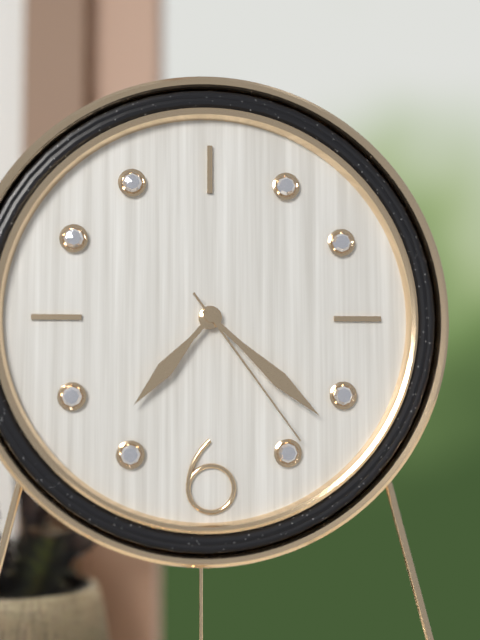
7:22:24
